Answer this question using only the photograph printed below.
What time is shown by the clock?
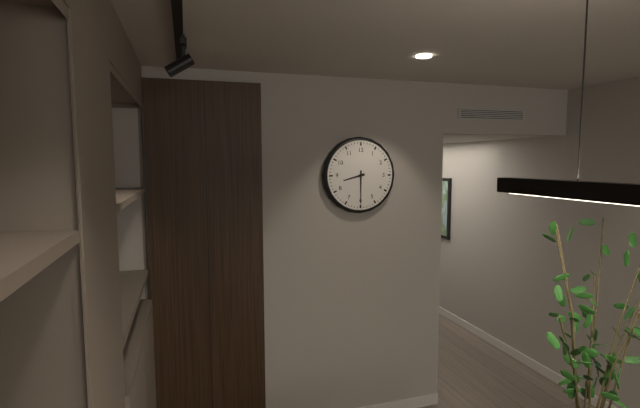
8:30
